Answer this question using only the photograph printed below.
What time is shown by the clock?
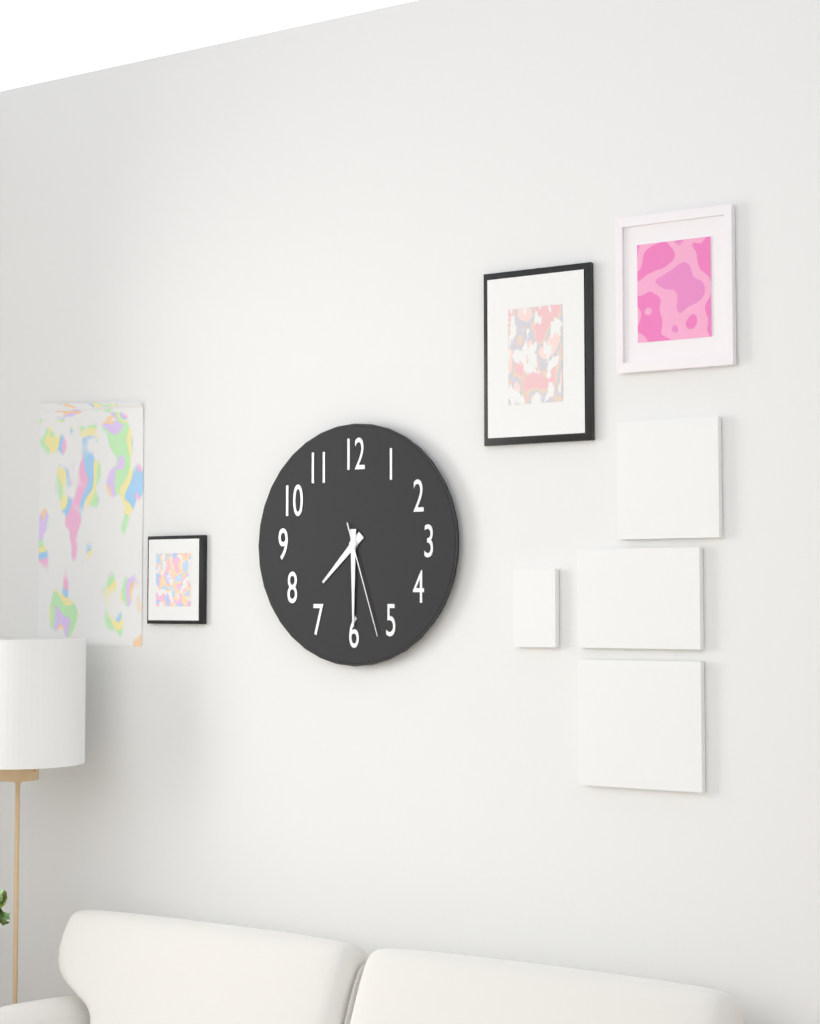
7:30:27
